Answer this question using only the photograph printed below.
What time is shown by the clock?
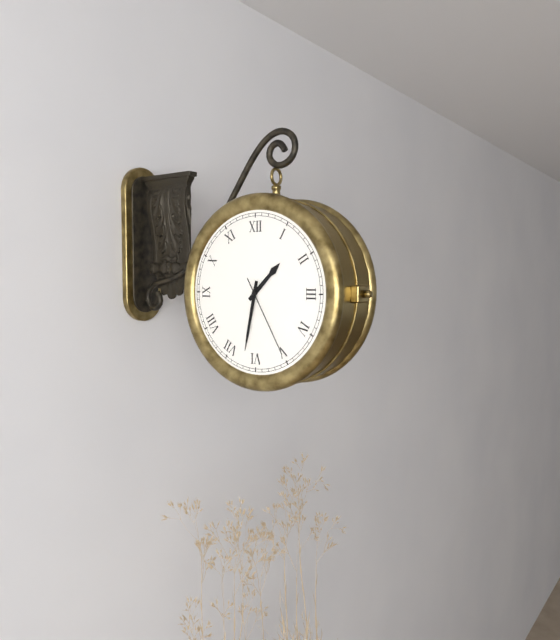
1:32:25
